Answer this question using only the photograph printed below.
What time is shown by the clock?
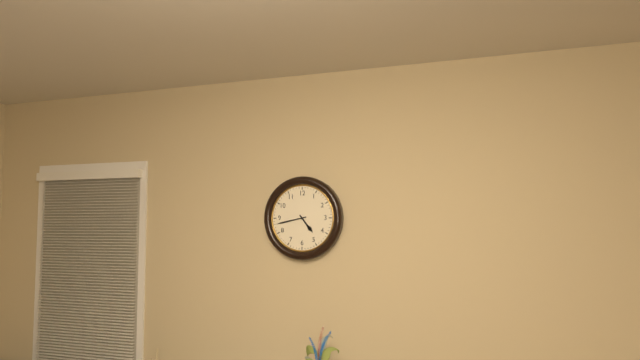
4:43
